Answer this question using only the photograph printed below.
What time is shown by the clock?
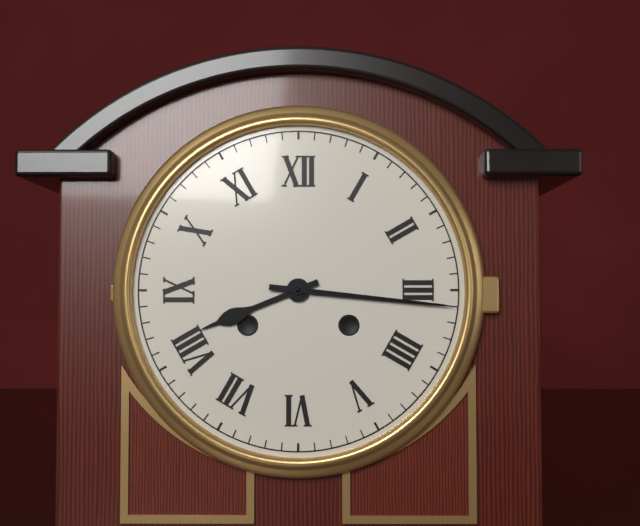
8:16
